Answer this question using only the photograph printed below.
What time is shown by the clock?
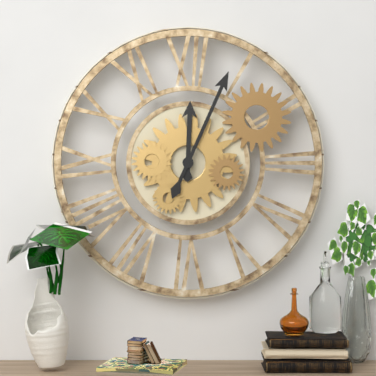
12:04
